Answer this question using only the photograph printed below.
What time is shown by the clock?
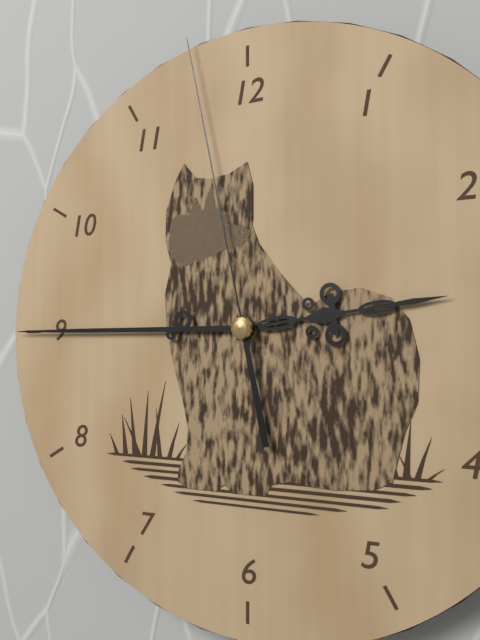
2:45:58
